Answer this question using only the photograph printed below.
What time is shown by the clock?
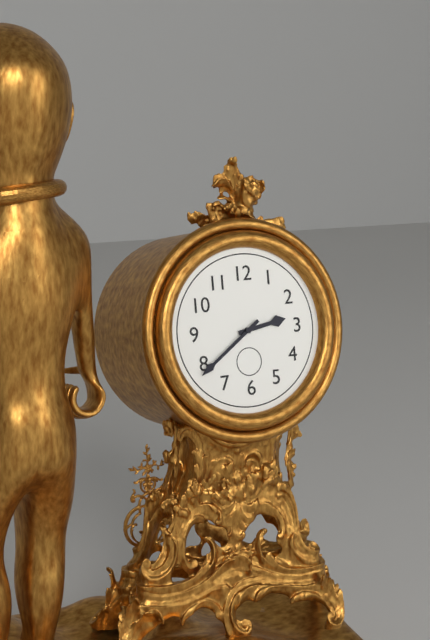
2:39
